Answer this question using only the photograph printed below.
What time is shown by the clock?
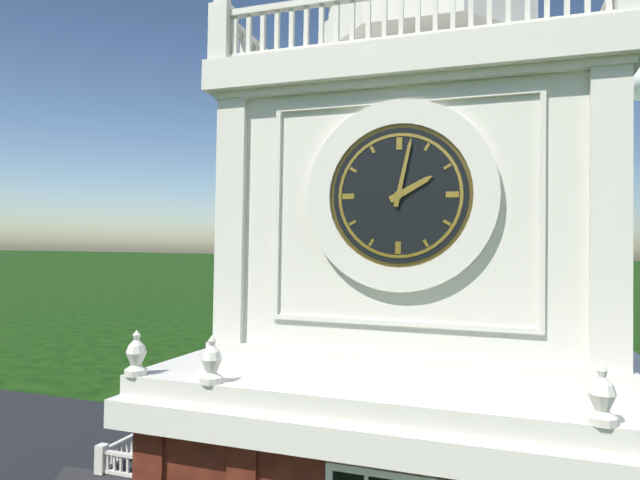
2:02
